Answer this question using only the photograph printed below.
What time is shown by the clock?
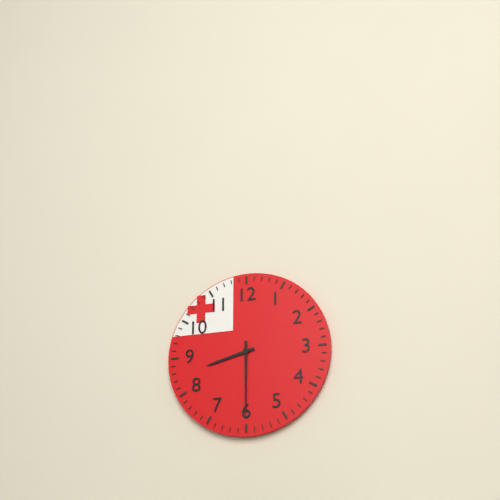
8:30
